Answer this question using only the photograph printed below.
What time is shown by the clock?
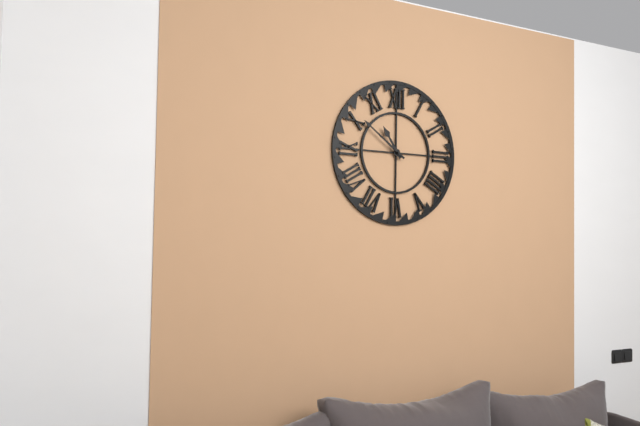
10:51
